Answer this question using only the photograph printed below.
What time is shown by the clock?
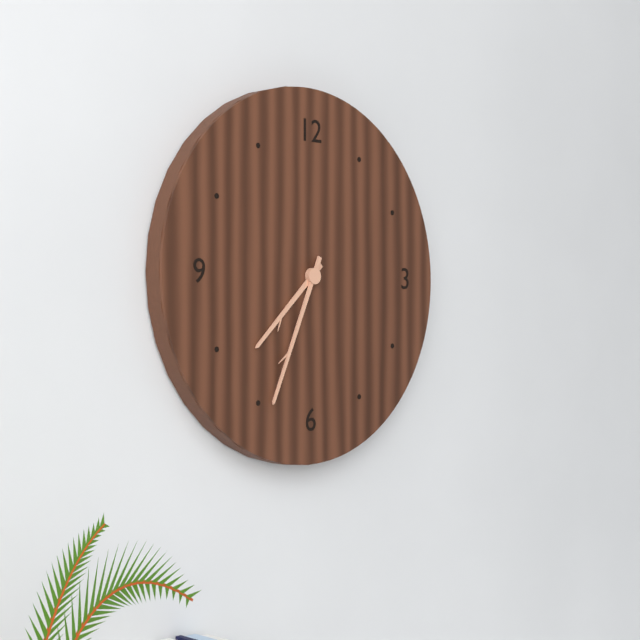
7:34
